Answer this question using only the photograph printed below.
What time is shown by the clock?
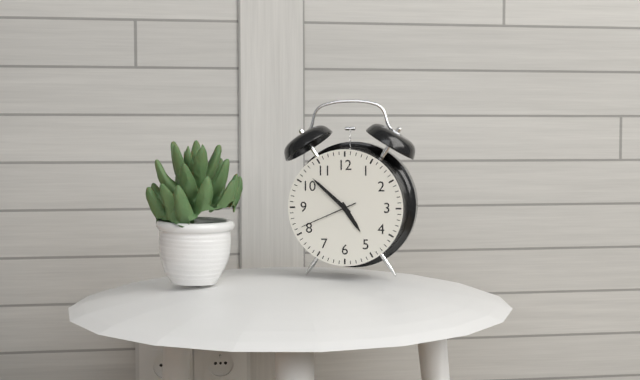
4:52:41
